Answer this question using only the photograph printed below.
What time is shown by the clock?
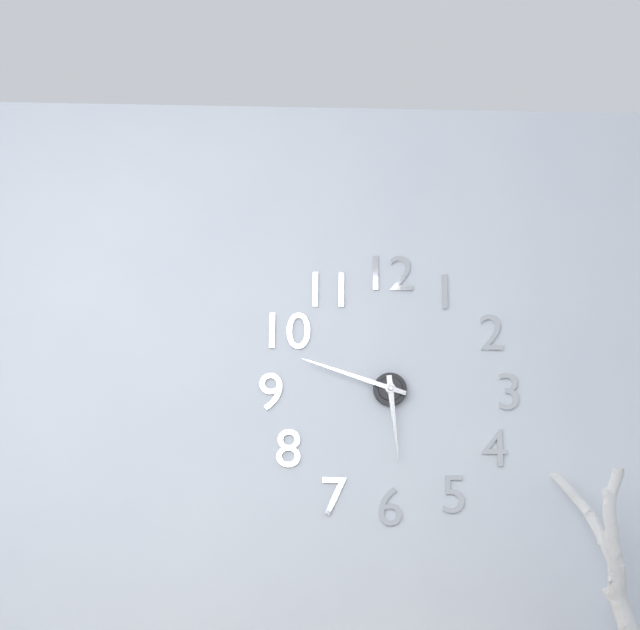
5:48
